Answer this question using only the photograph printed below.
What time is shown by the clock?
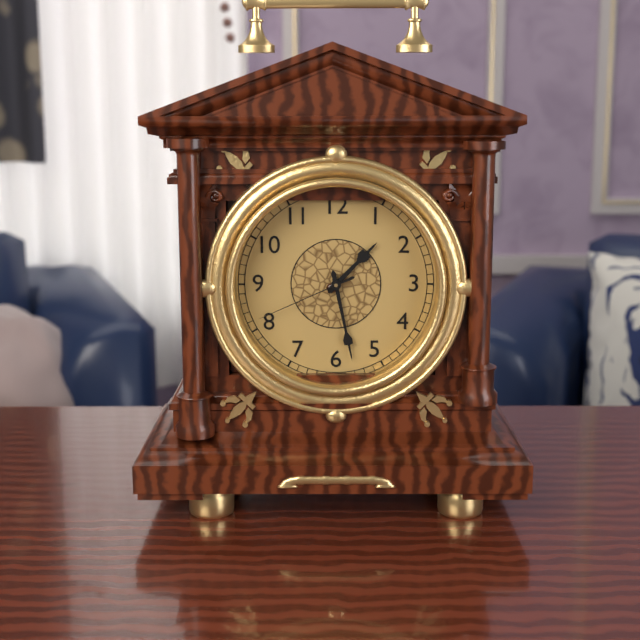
1:28:41
